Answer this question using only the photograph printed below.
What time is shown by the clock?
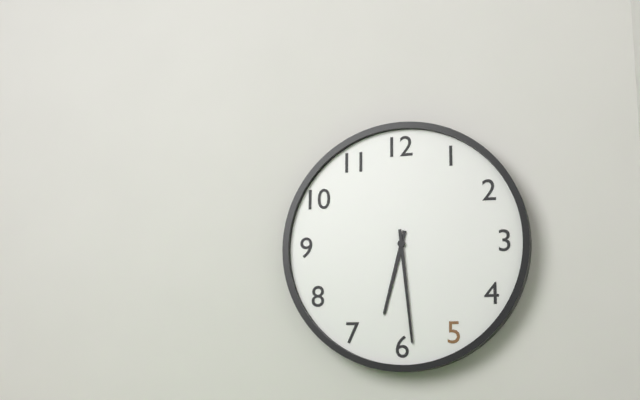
6:29
